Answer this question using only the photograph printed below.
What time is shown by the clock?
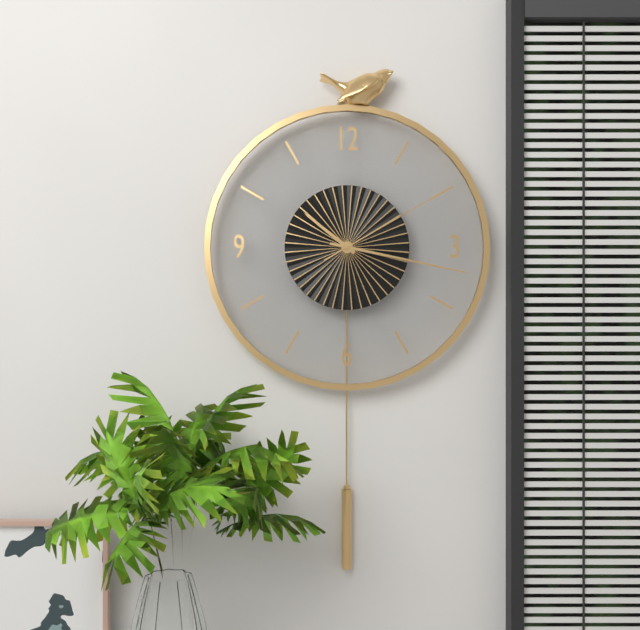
10:17:10
